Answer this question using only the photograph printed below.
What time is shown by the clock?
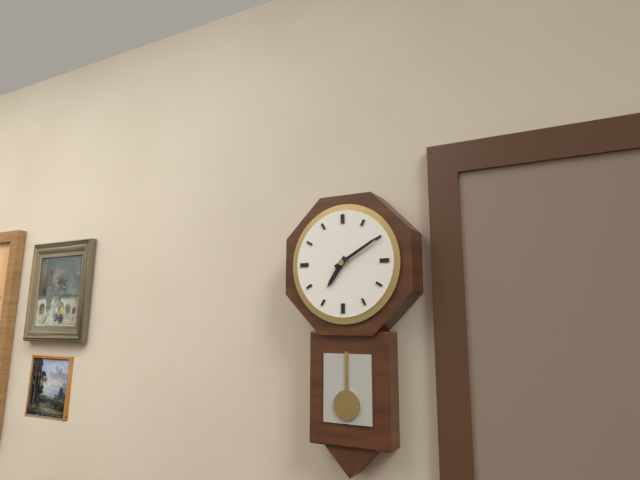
7:10
